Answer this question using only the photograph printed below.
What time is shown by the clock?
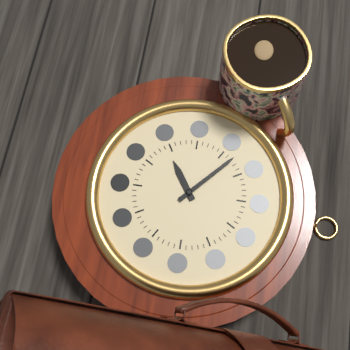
7:52
